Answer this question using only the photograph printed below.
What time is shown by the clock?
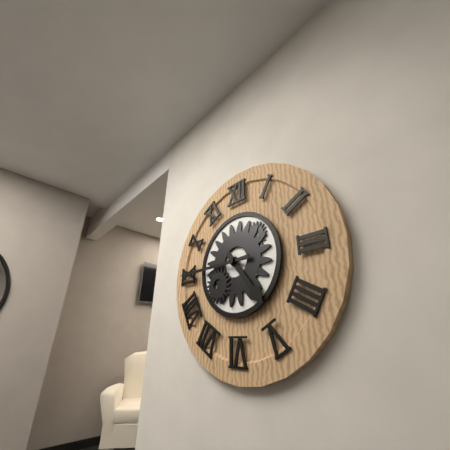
4:45
